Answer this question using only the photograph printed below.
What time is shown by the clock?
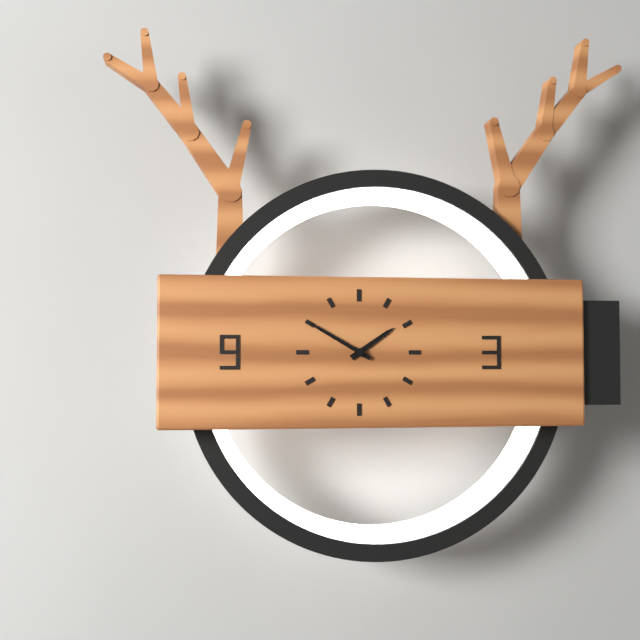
1:50
